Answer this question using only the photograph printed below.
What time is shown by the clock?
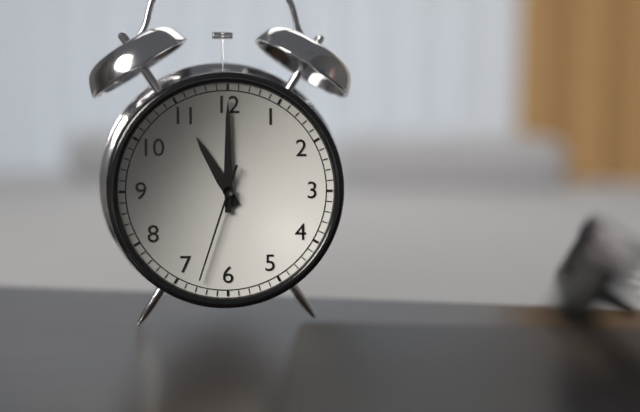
11:00:33
